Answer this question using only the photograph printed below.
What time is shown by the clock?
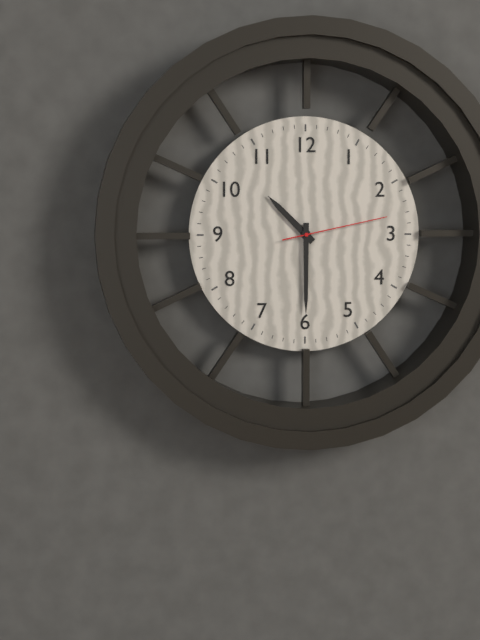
10:30:13
